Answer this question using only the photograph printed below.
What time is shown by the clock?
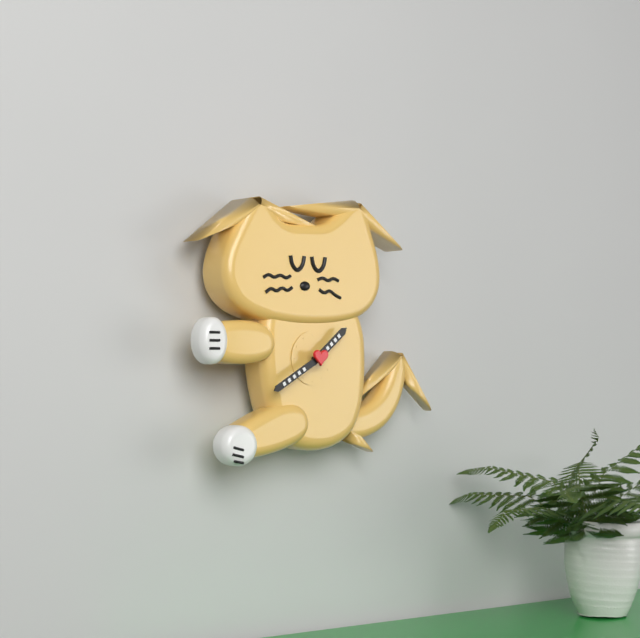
1:40
